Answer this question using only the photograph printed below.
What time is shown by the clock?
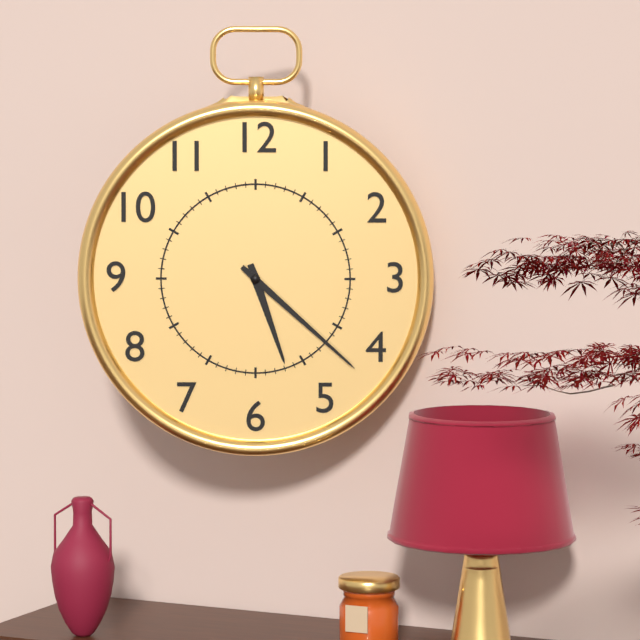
5:22
